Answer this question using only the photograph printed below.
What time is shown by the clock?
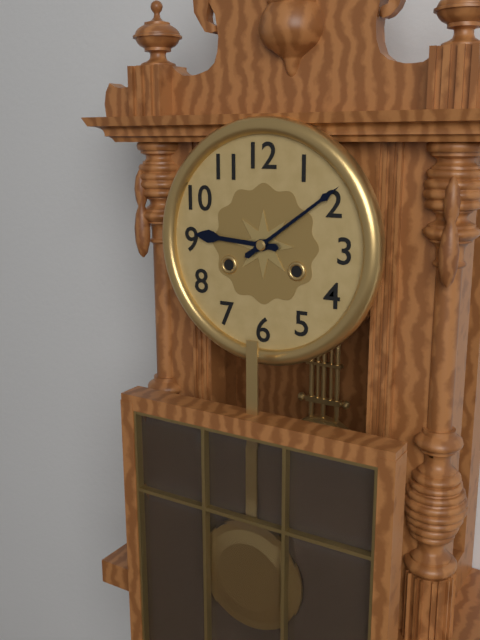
9:09
